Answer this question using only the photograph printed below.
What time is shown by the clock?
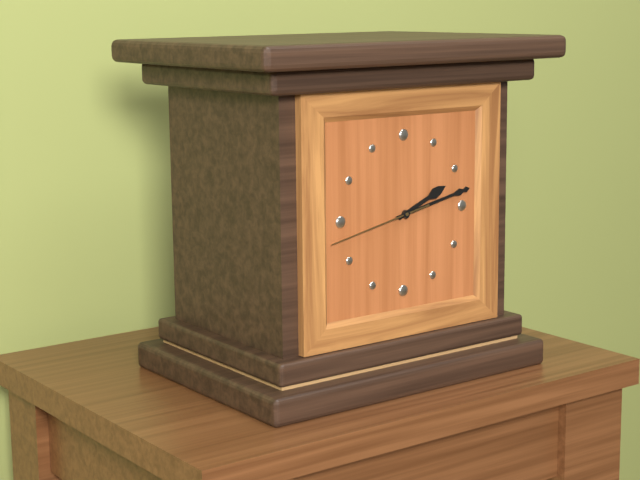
2:13:43
